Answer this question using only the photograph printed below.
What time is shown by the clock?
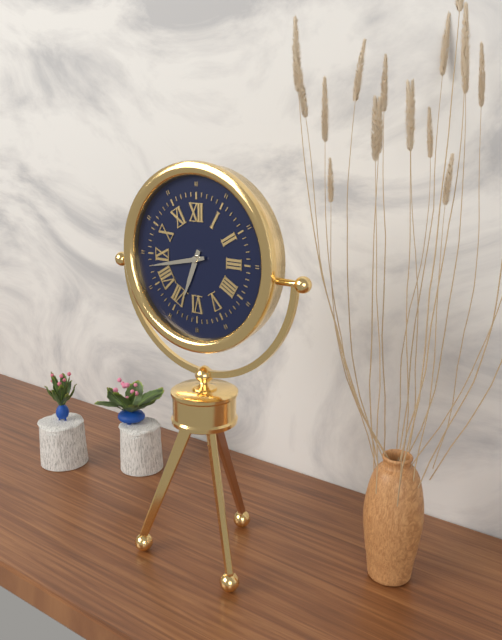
6:43
